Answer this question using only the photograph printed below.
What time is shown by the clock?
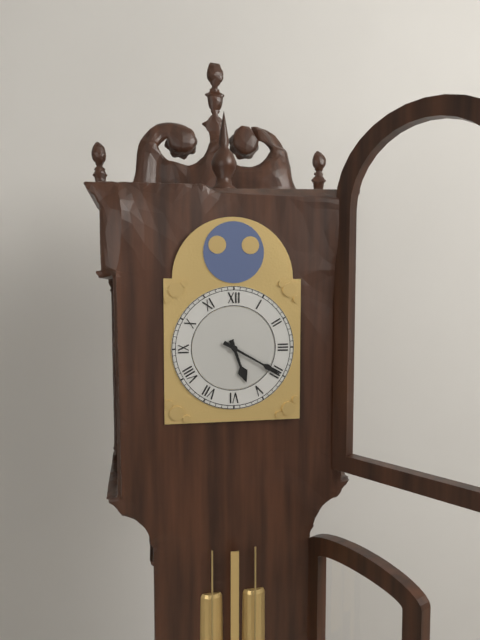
5:20
